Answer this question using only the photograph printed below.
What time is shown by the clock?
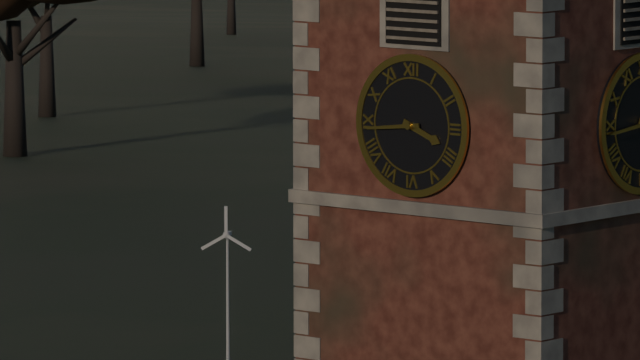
3:44
